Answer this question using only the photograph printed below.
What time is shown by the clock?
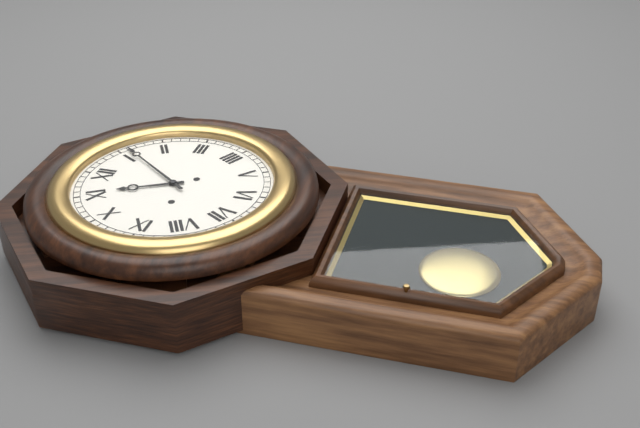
11:06
